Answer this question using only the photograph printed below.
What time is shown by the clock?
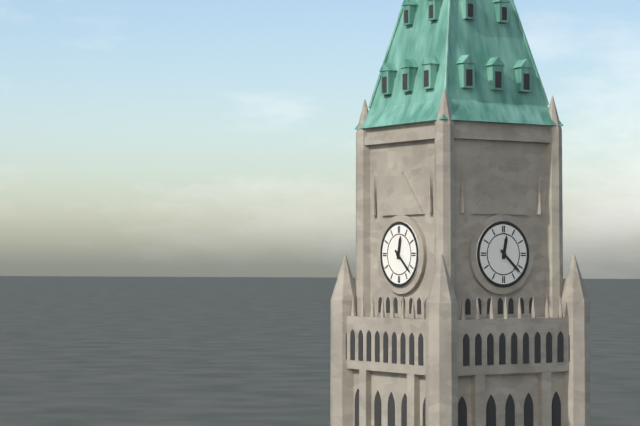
12:22
